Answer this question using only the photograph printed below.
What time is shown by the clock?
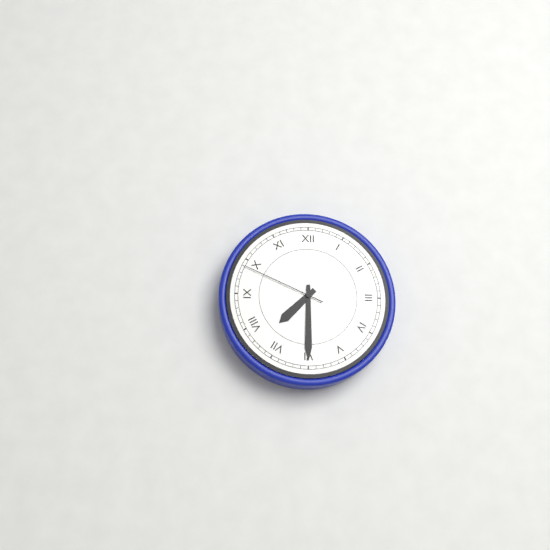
7:30:49
